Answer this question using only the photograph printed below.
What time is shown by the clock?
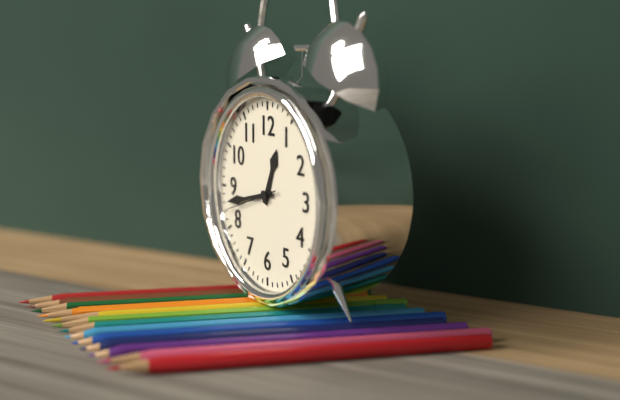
12:43:42
